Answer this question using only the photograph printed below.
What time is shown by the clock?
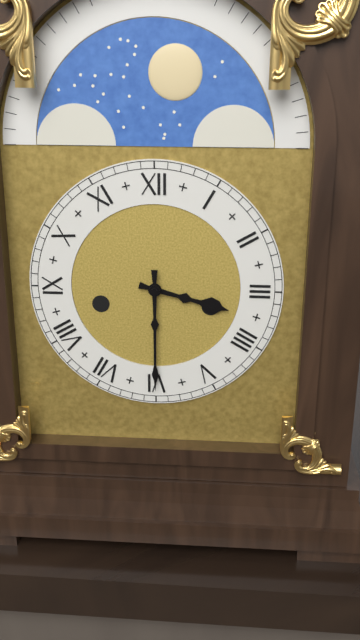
3:30
